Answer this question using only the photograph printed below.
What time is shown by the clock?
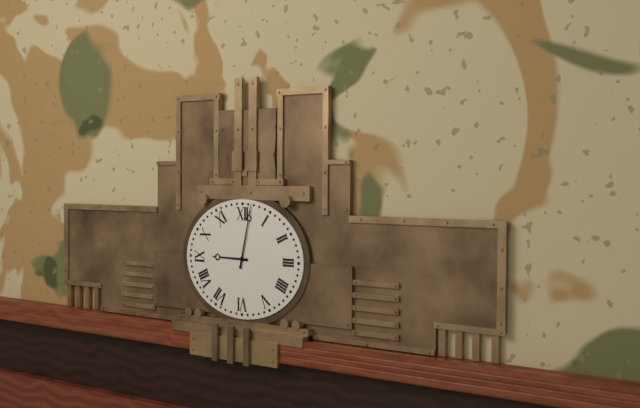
9:02
